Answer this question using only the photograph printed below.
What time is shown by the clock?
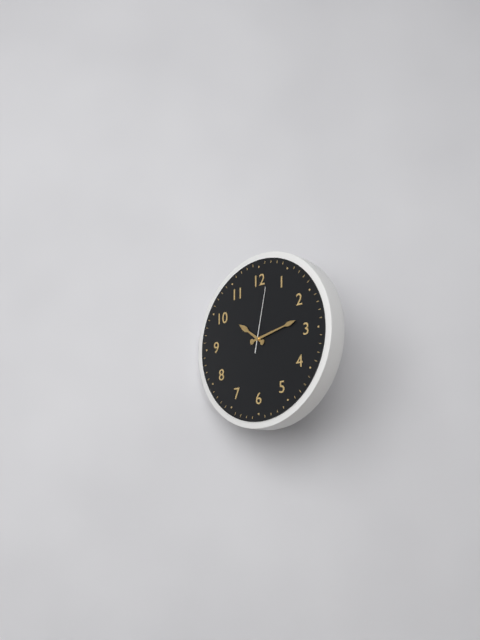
10:13:02
